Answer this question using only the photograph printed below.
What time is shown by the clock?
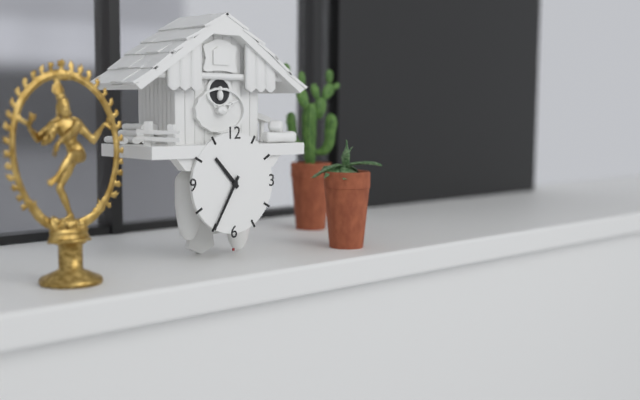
10:35
